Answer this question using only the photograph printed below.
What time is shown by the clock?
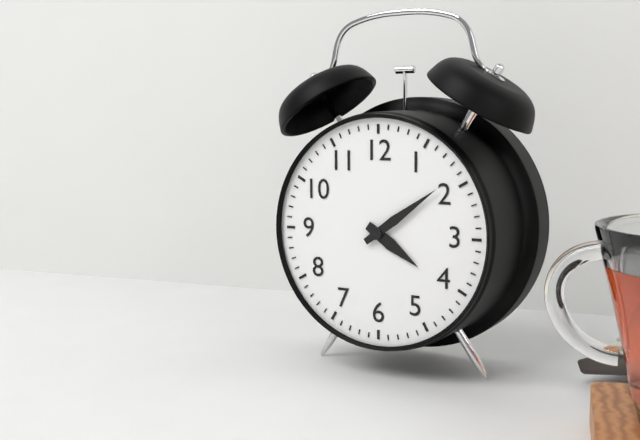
4:09
